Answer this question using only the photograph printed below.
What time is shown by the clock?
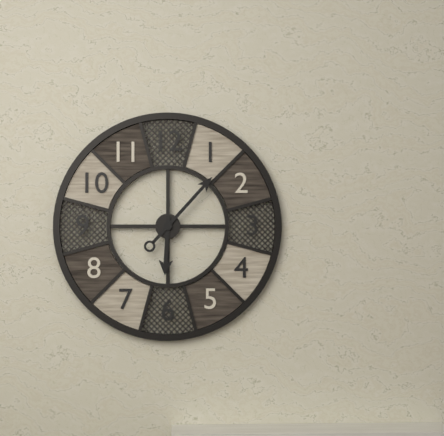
6:07
